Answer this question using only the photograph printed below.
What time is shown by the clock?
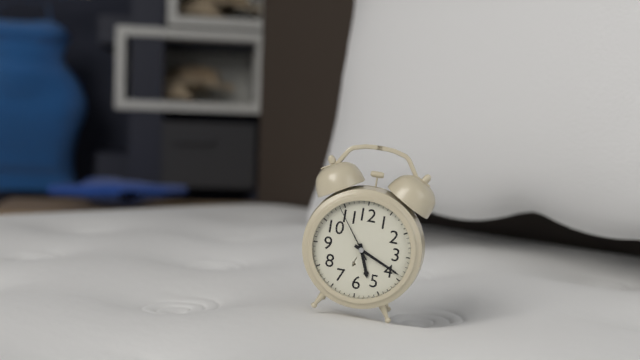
5:19:54
